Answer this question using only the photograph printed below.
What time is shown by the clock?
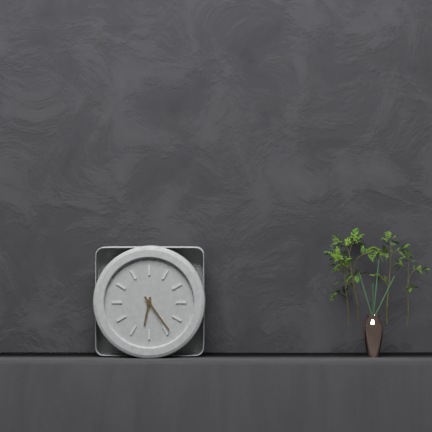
6:24
